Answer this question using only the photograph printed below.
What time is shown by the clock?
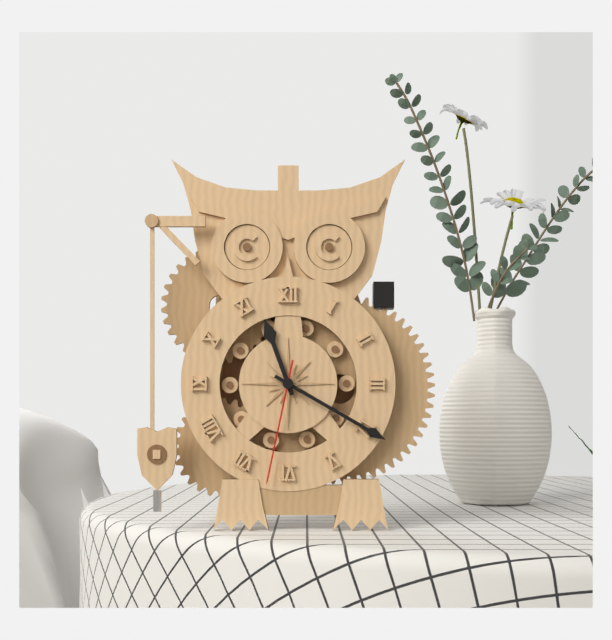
11:20:32
